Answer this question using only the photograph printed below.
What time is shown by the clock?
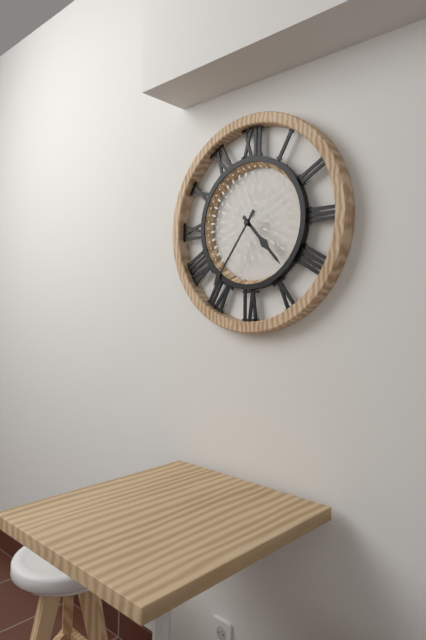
4:36
